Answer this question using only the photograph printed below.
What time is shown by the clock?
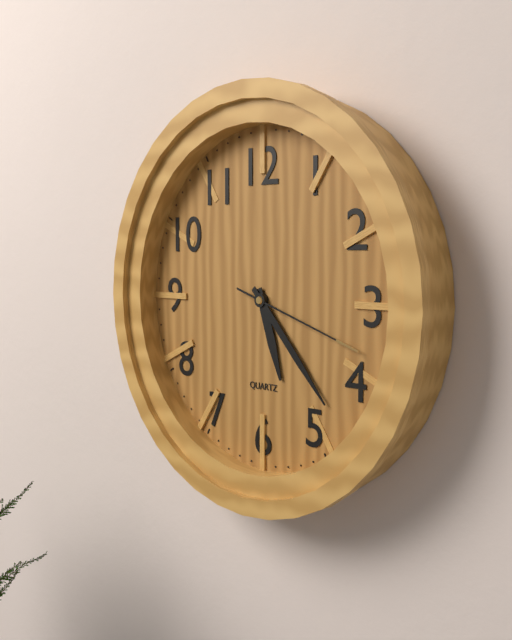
5:23:18
